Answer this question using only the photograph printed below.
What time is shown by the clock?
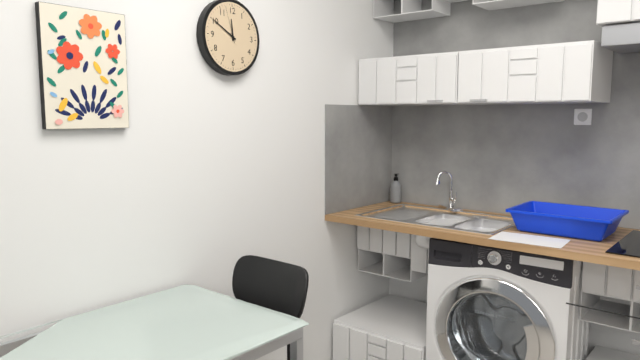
11:50
